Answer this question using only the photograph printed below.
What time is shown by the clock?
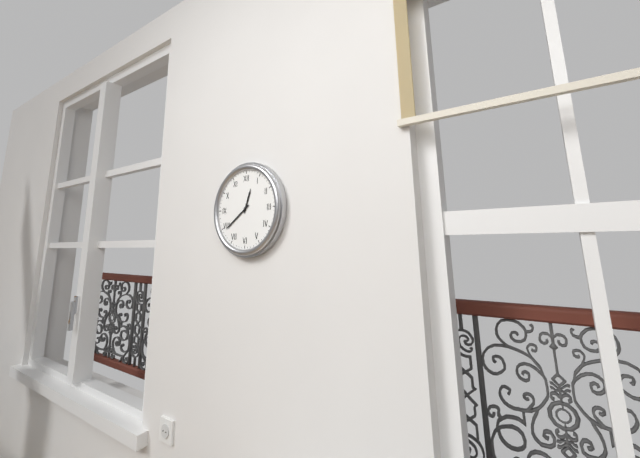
12:39
